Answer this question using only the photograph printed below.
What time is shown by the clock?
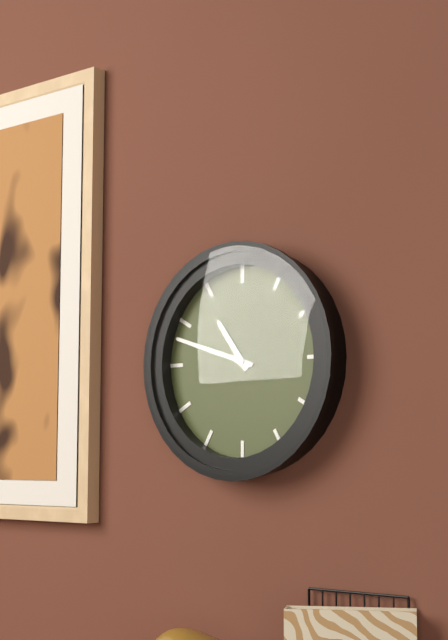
10:48
